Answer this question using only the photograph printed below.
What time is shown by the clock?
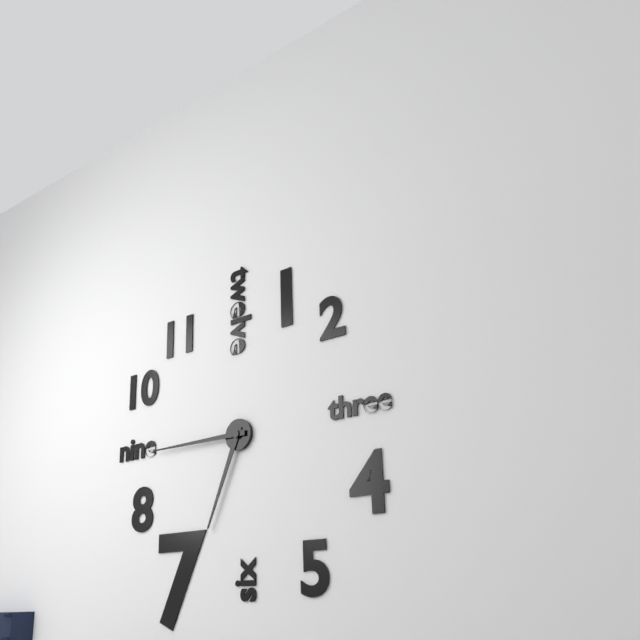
6:45
